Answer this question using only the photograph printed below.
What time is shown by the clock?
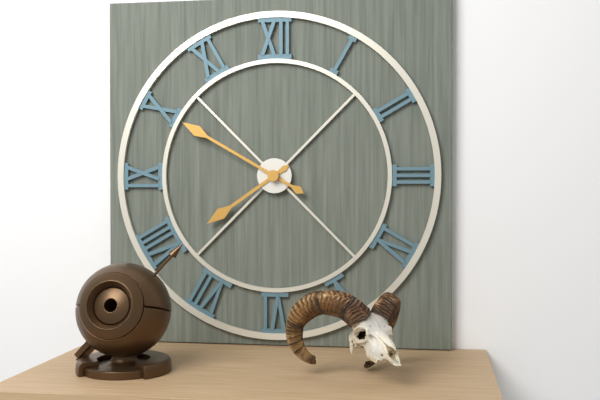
7:50
